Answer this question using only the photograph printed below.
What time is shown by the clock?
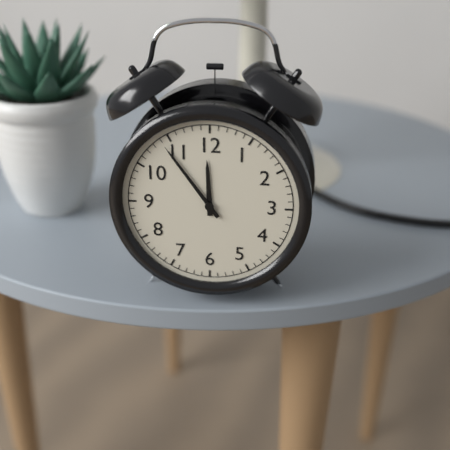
11:54
